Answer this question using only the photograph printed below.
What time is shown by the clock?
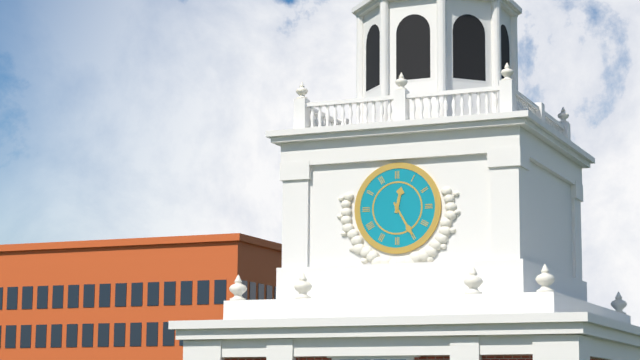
12:25
